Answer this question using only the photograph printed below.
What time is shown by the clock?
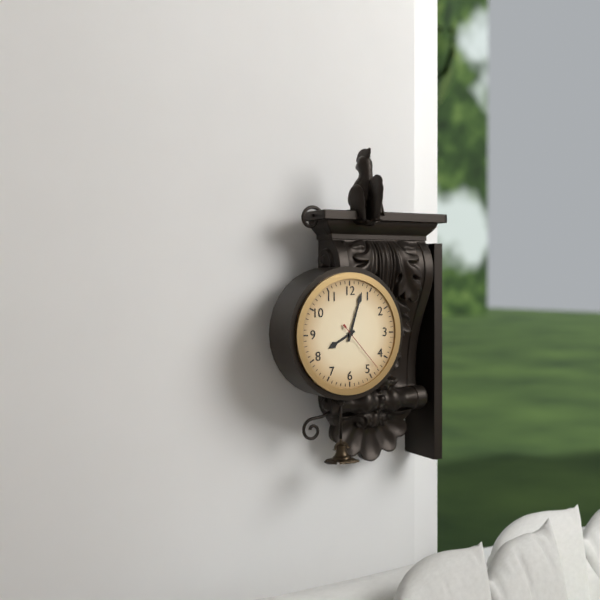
8:03:23
